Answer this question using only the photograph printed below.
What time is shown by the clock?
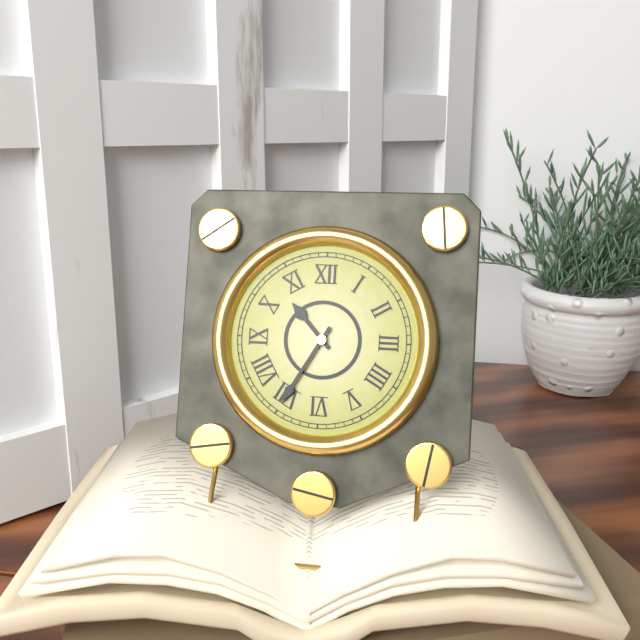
10:35
